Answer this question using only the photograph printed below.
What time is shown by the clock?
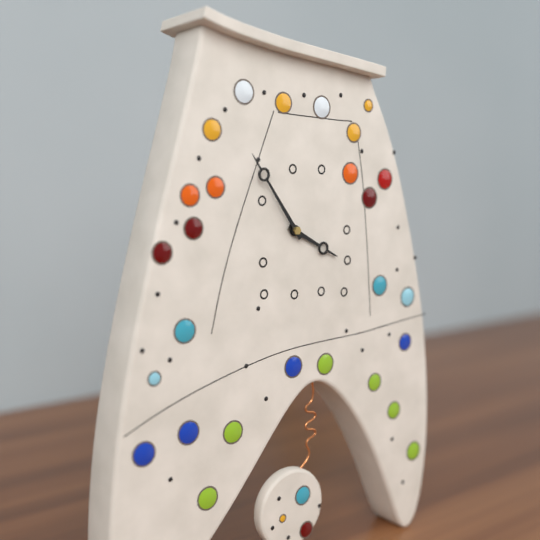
3:54
